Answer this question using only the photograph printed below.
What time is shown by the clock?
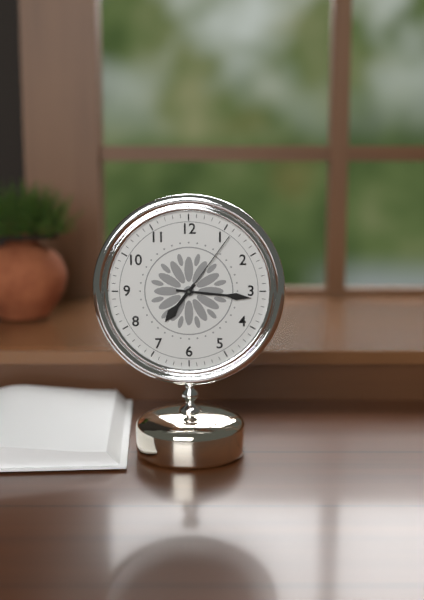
7:16:06
